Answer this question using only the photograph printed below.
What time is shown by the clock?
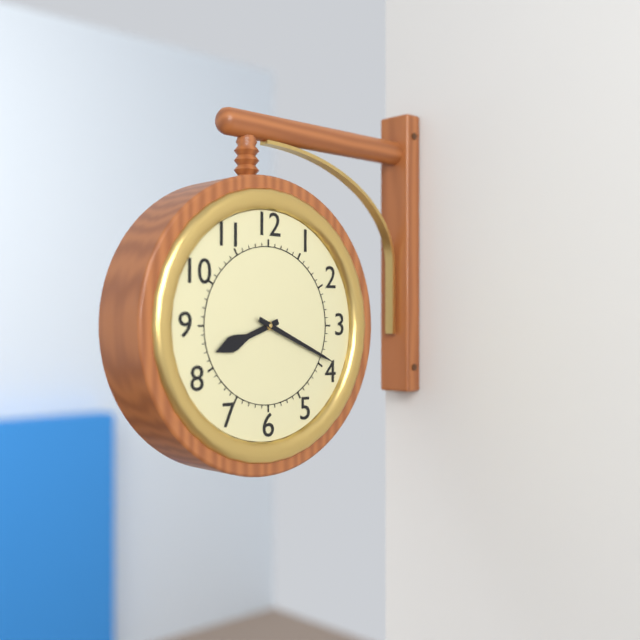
8:19
